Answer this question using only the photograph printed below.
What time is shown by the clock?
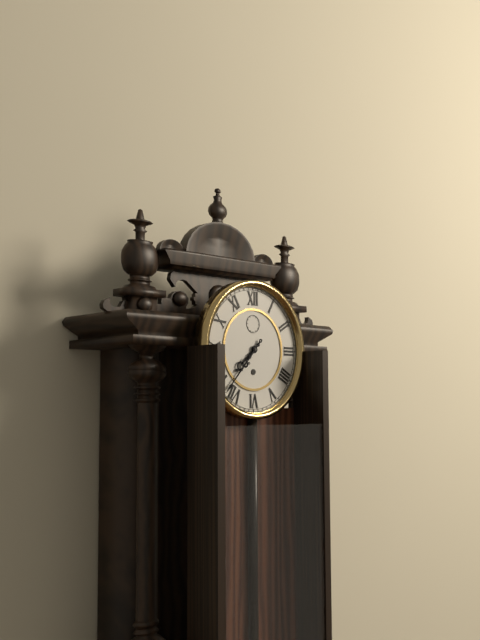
7:37
